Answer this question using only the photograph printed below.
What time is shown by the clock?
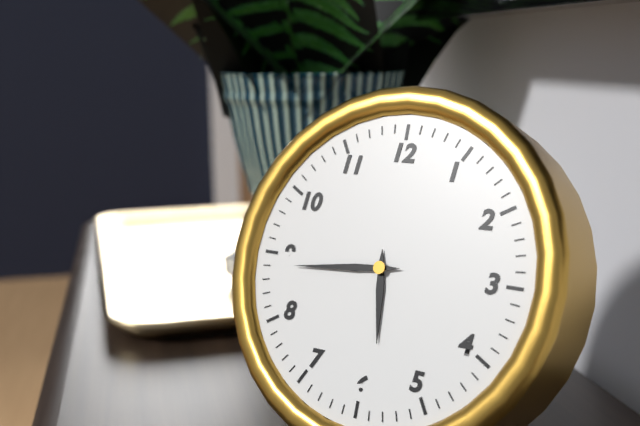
5:44
